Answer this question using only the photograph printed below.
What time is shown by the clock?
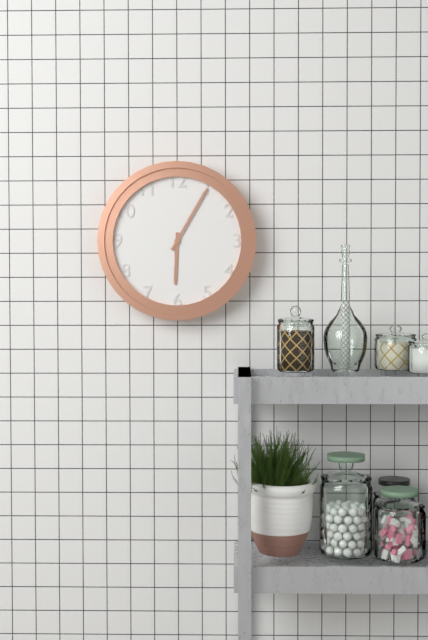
6:05
